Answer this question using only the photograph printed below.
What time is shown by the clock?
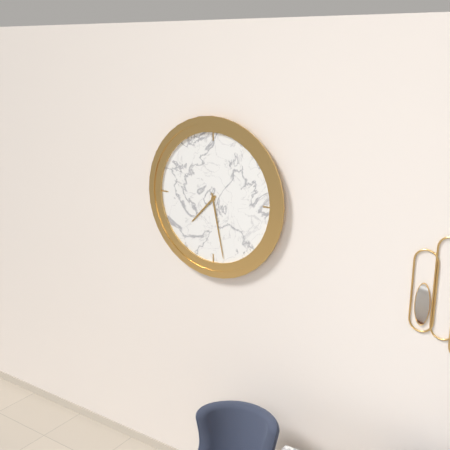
7:28
